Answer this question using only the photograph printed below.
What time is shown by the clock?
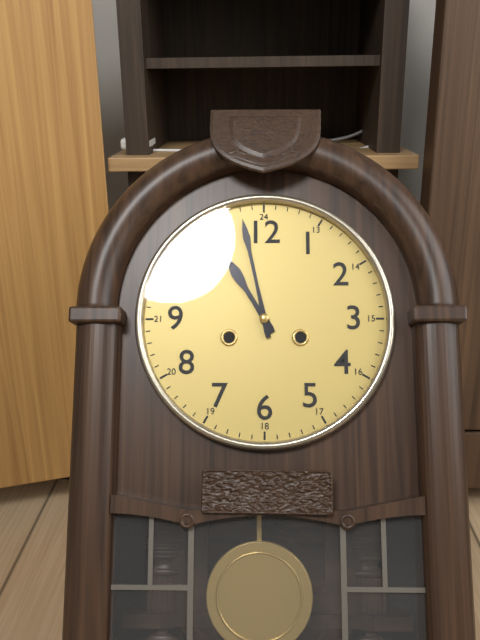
10:58
